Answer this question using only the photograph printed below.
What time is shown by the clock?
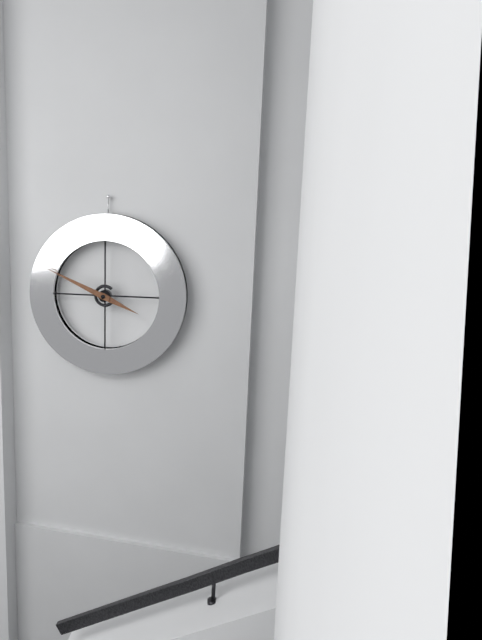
3:49
